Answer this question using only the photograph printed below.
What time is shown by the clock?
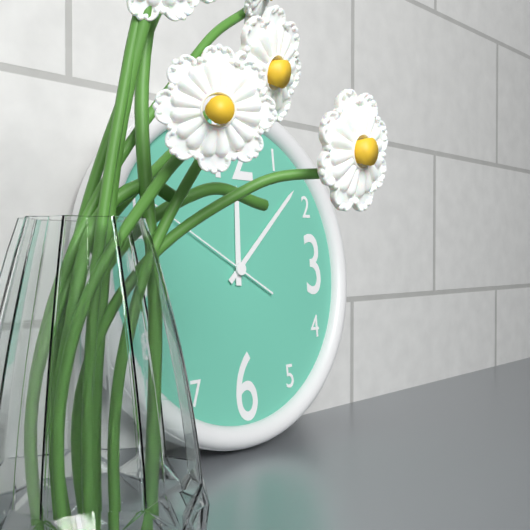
12:08:50
